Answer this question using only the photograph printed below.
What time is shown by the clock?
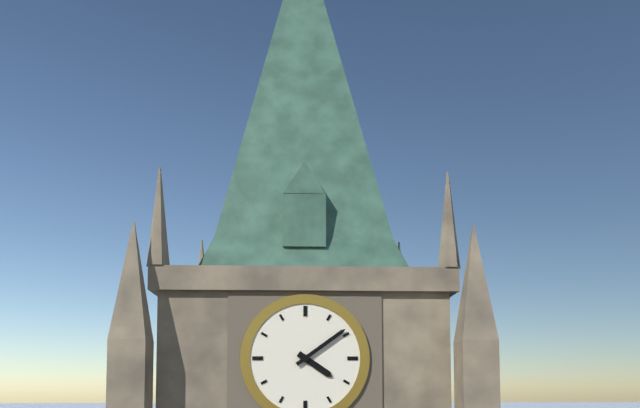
4:09
